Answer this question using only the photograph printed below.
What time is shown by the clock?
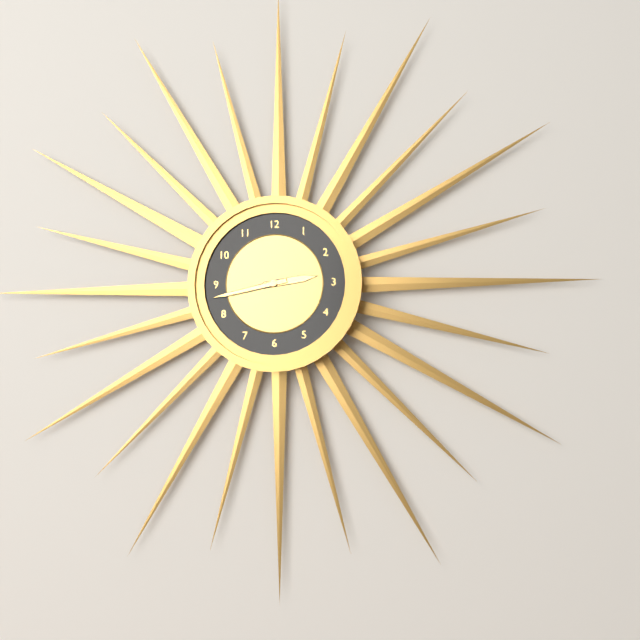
2:43
